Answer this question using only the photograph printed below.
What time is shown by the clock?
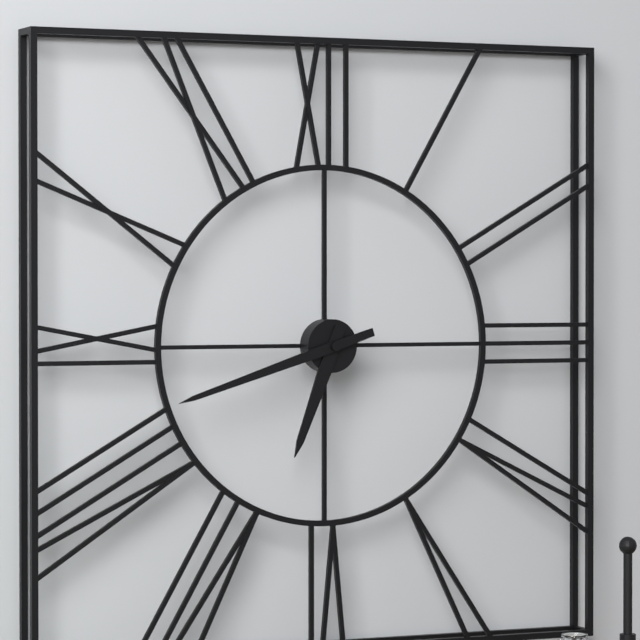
6:42
